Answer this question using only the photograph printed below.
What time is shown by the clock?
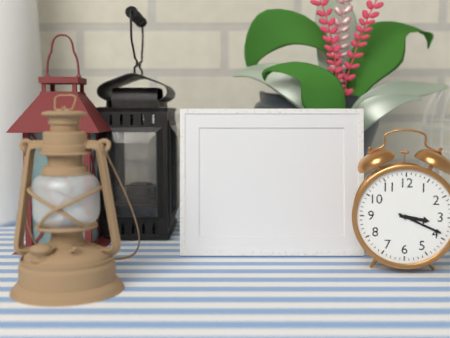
3:19
